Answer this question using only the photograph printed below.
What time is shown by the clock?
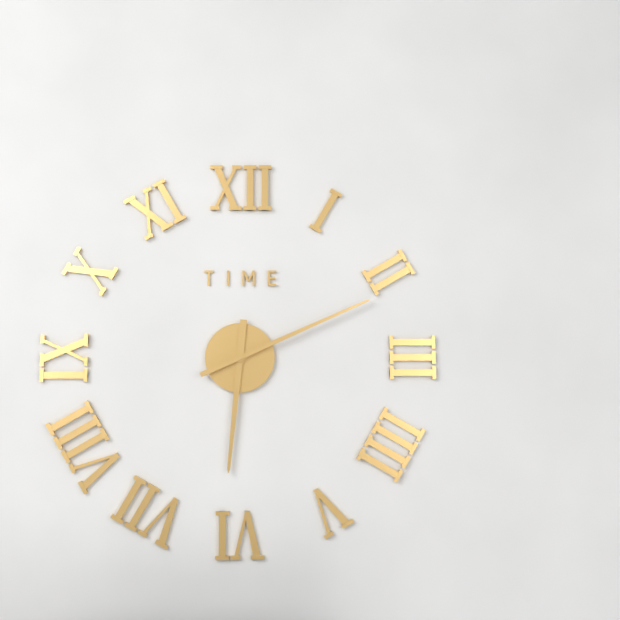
6:11
